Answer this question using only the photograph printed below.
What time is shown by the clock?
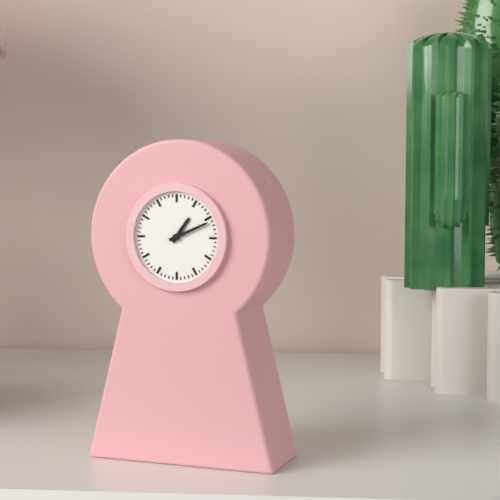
1:11
